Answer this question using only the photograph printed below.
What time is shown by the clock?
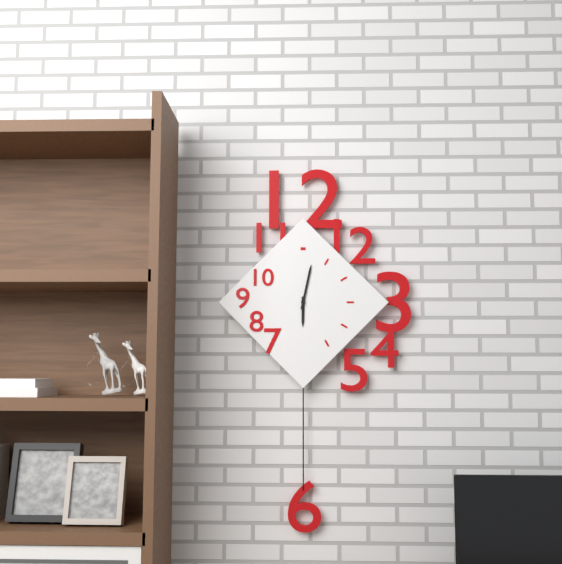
6:02
